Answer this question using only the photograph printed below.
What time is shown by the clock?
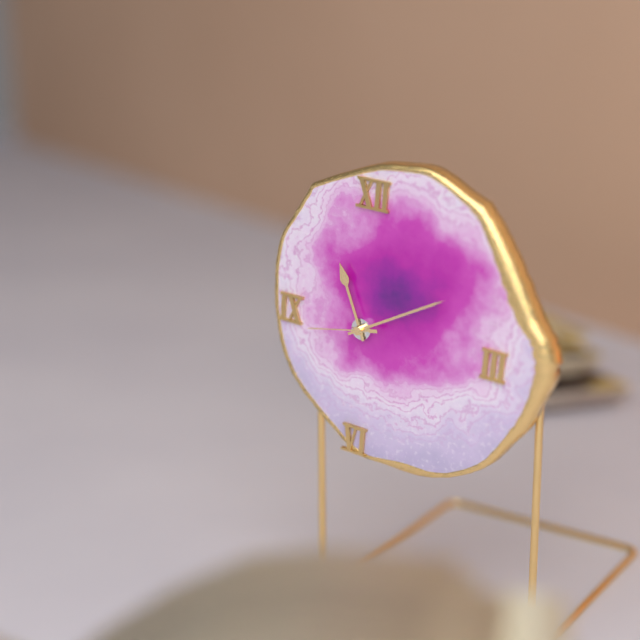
11:10:43
